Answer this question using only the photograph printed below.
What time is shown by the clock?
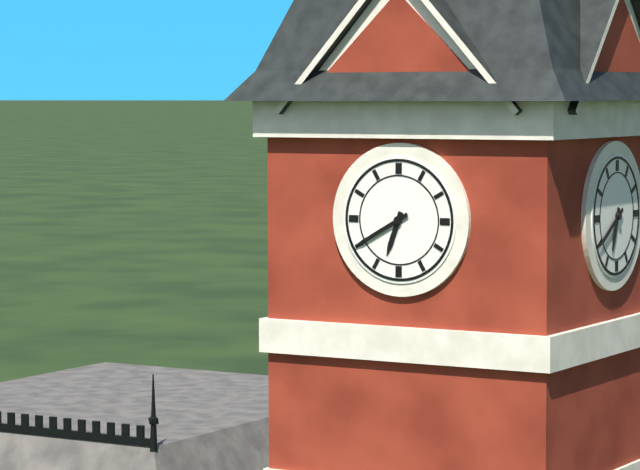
6:40
